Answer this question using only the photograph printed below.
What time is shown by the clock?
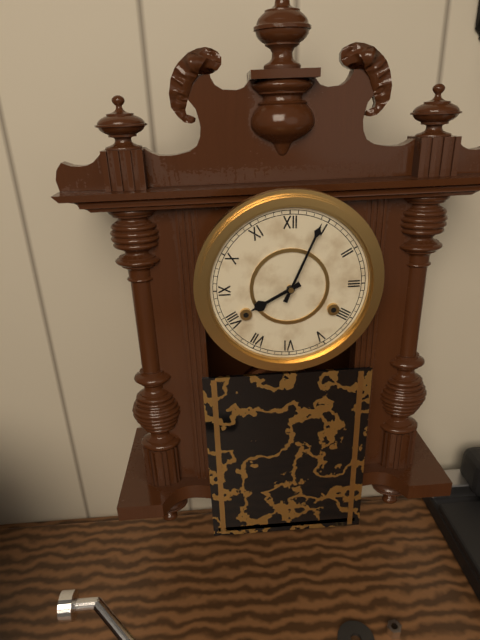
8:04
